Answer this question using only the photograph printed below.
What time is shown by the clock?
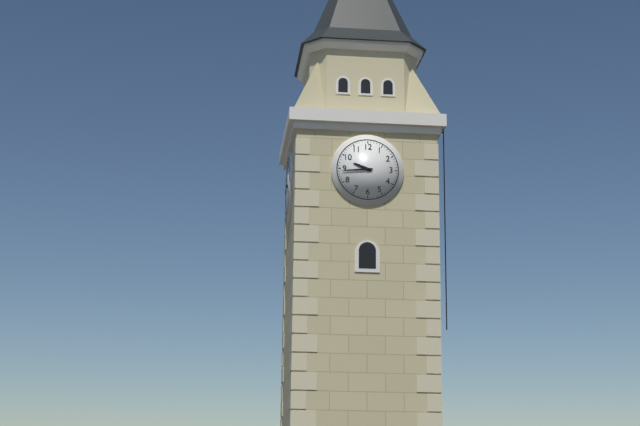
9:44
